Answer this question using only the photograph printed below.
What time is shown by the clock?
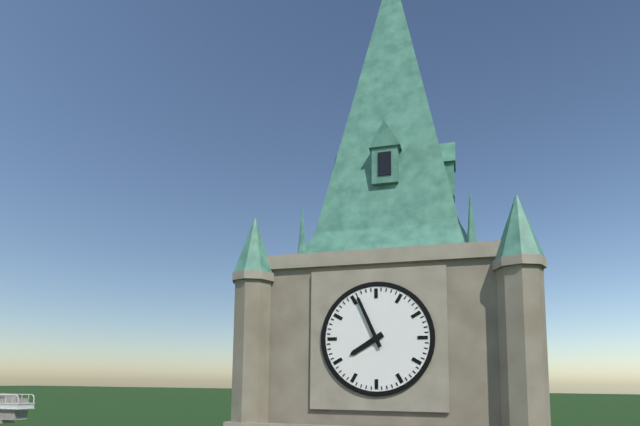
7:56
